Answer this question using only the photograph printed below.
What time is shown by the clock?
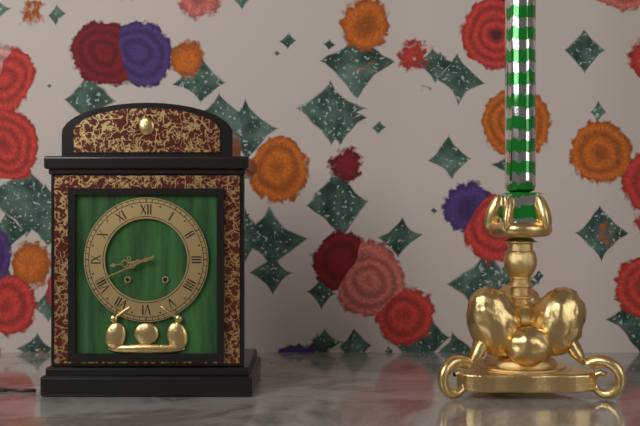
8:41
